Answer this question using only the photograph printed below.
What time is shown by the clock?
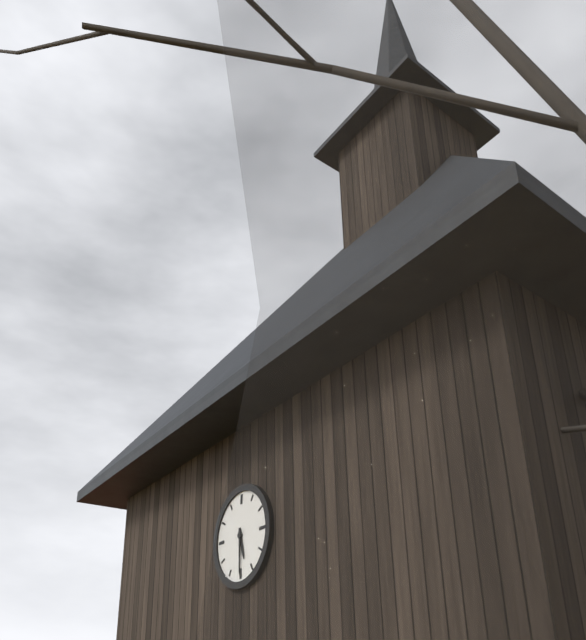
5:30
